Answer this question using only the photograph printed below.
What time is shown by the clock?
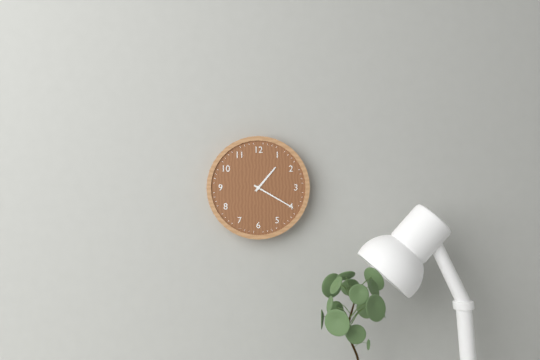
1:20
